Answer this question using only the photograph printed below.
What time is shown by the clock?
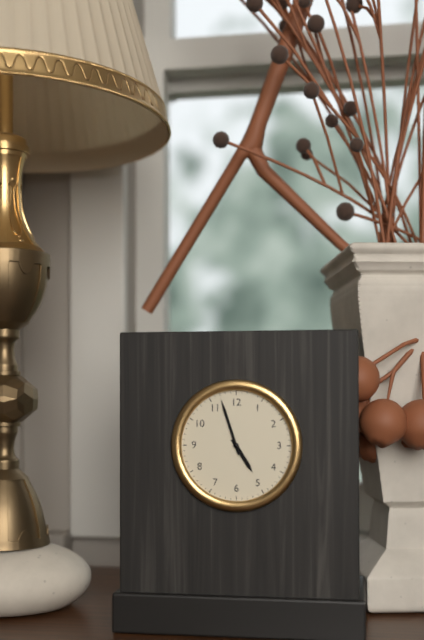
4:57
